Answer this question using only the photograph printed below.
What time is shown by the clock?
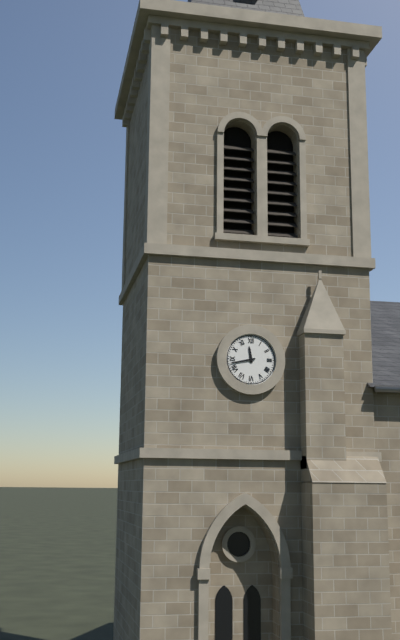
11:43
